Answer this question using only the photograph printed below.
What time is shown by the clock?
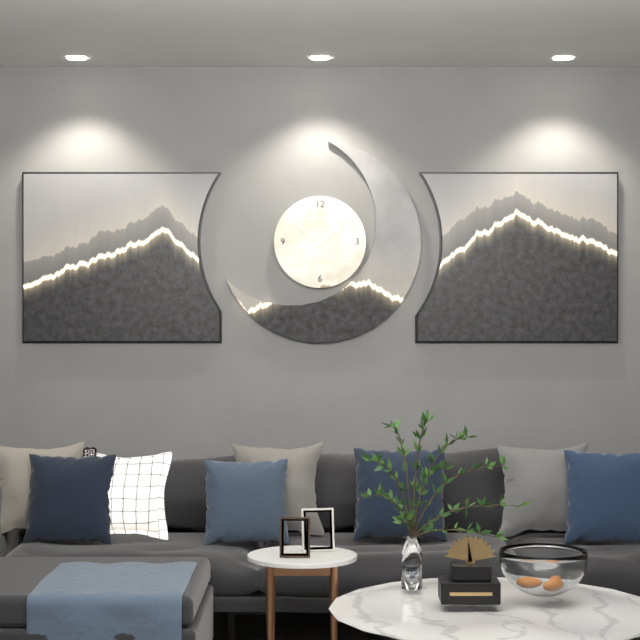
1:51
